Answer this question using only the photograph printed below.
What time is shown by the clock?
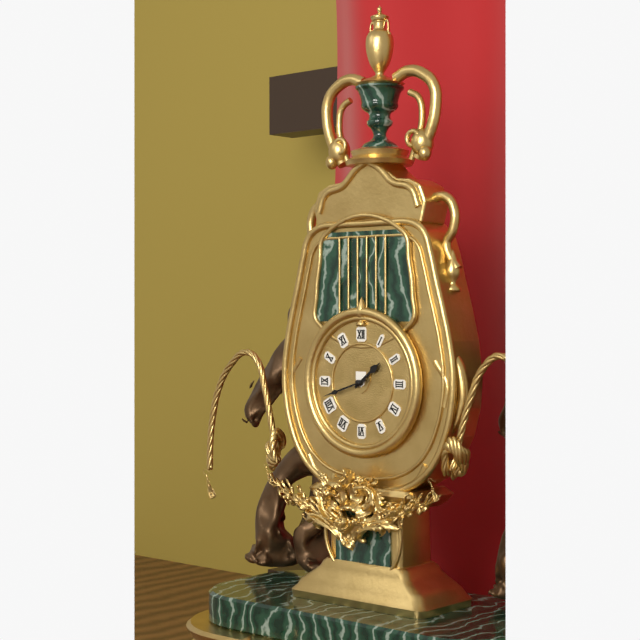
1:42
